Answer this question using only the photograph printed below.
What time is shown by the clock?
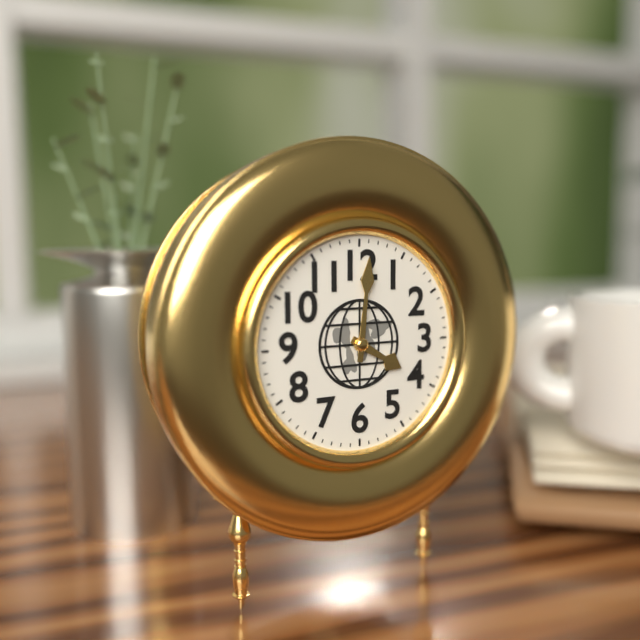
4:01
